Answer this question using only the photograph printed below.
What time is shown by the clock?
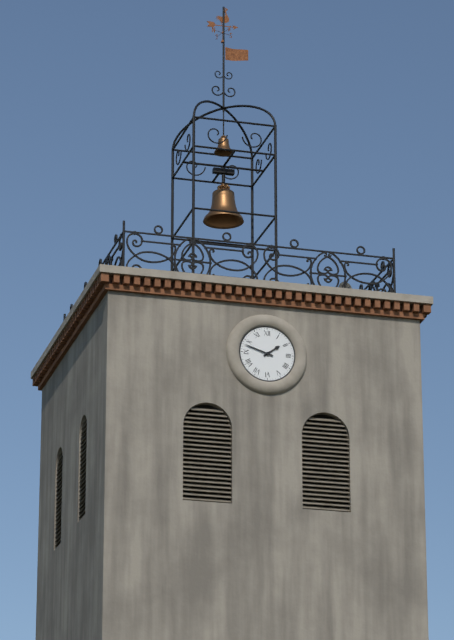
1:48
